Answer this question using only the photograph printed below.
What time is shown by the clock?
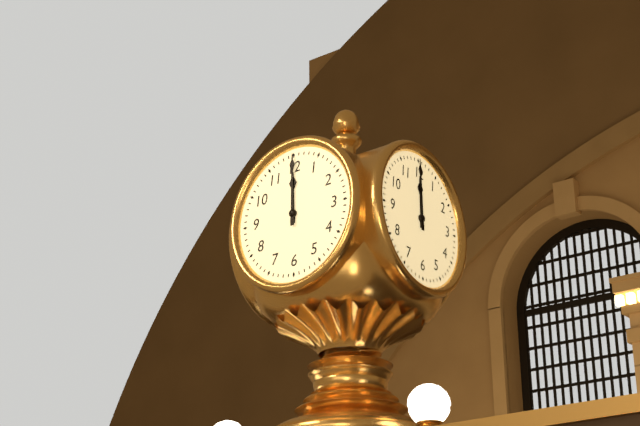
12:00
